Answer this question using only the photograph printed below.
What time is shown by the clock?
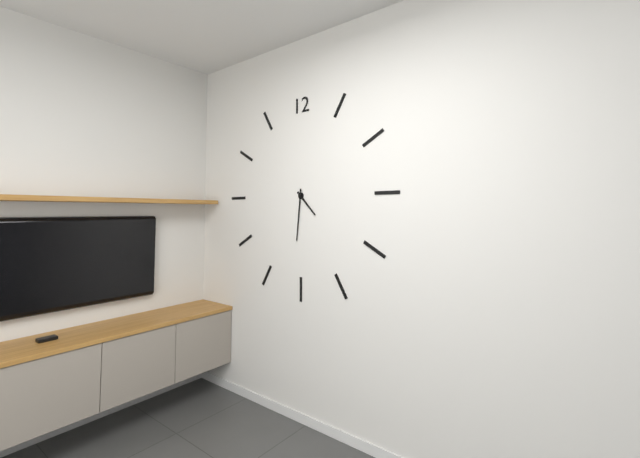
4:31
